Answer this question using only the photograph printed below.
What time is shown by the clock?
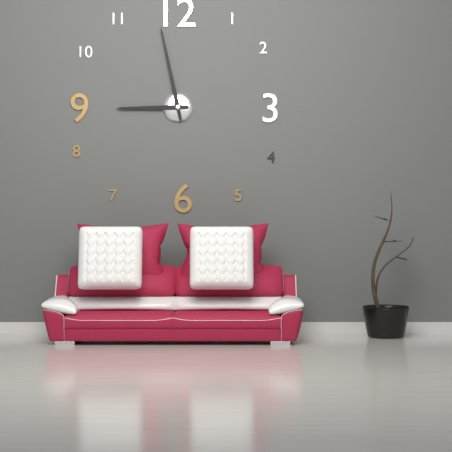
8:58
